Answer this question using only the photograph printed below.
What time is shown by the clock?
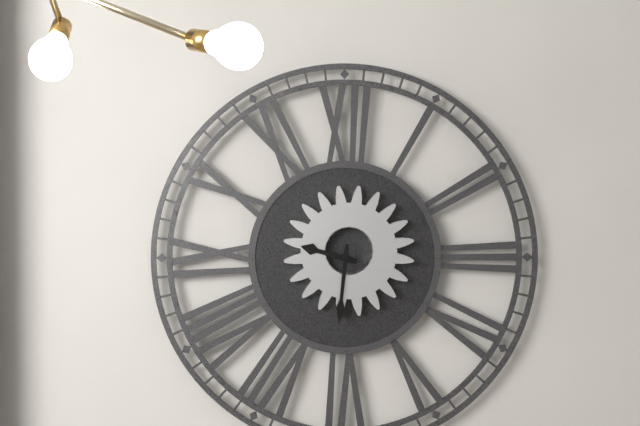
9:31
